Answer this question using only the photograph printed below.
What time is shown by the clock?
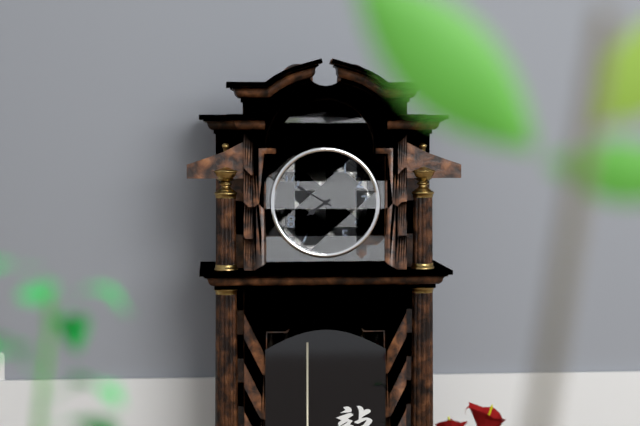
7:50
